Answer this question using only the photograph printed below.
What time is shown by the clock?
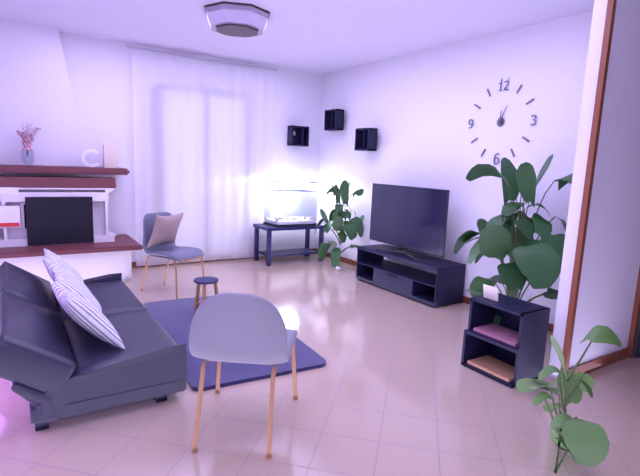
12:04
